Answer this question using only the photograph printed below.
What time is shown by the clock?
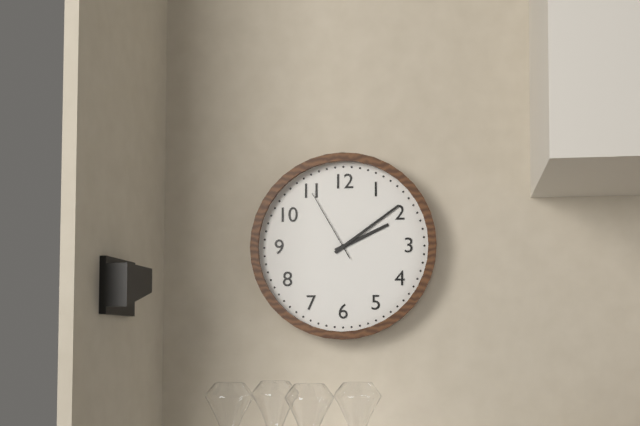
2:09:55
